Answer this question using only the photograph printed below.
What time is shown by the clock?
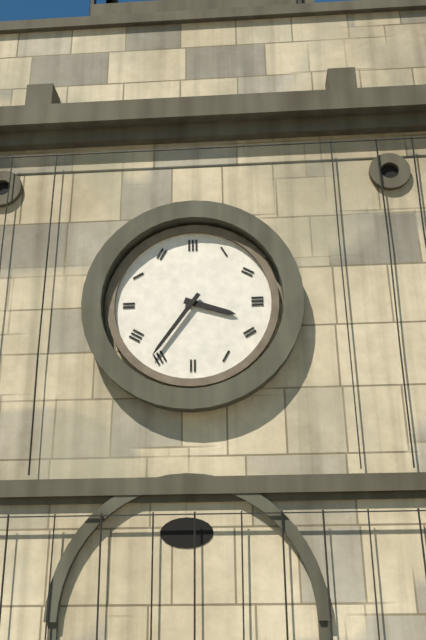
3:36
